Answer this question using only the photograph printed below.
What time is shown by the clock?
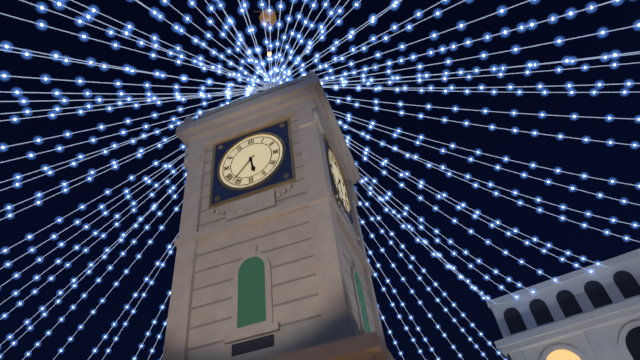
5:37
